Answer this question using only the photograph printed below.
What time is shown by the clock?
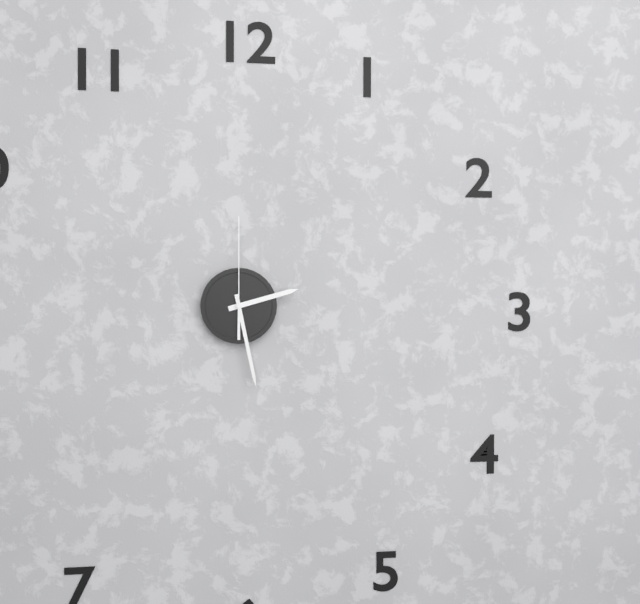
2:28:00
